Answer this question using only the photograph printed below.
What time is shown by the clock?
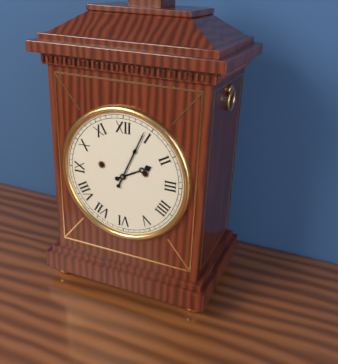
2:04
